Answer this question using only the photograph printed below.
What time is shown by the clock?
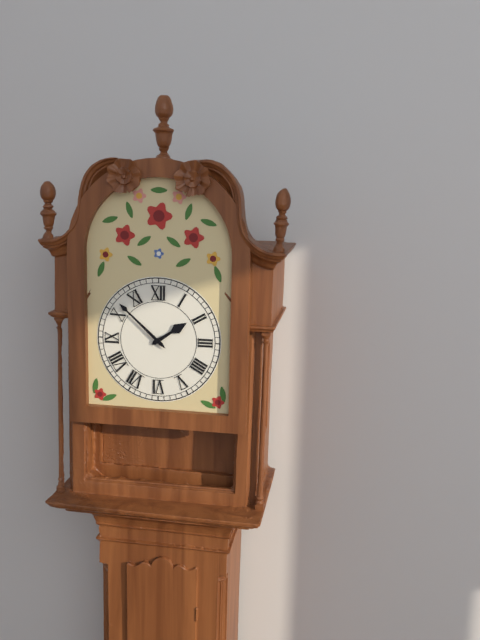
1:52
